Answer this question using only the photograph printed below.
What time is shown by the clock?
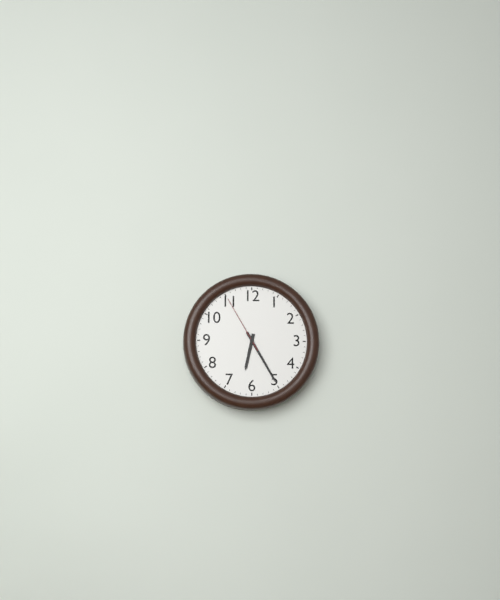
6:25:55
